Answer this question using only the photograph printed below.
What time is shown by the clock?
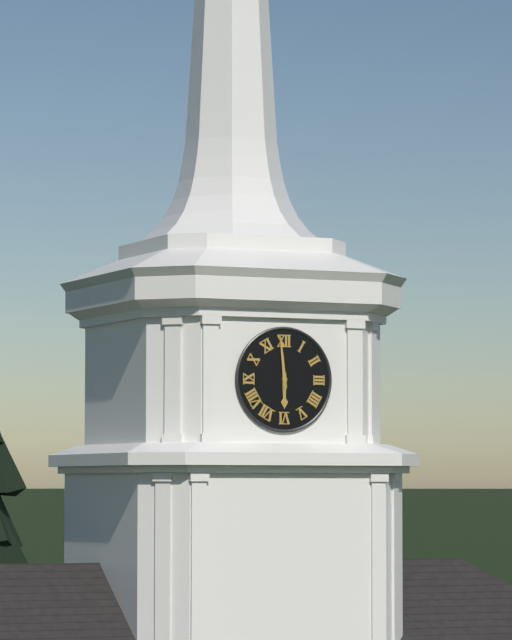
5:59
